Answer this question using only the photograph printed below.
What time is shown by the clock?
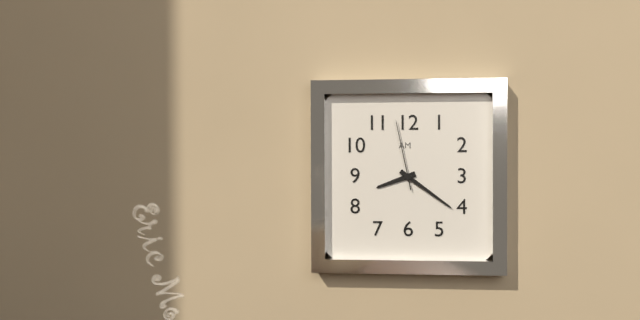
8:21:58
